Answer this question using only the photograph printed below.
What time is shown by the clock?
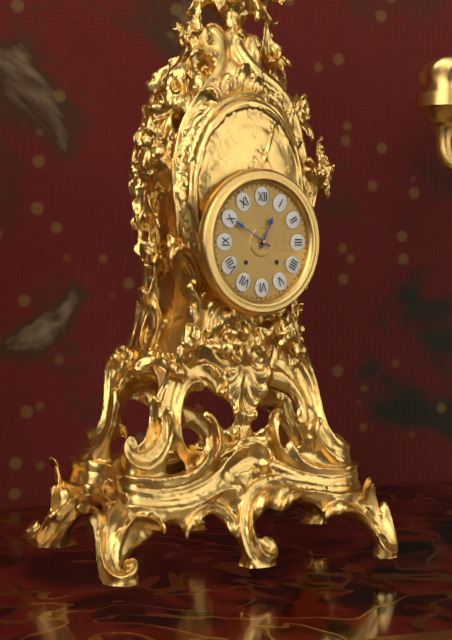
12:50
